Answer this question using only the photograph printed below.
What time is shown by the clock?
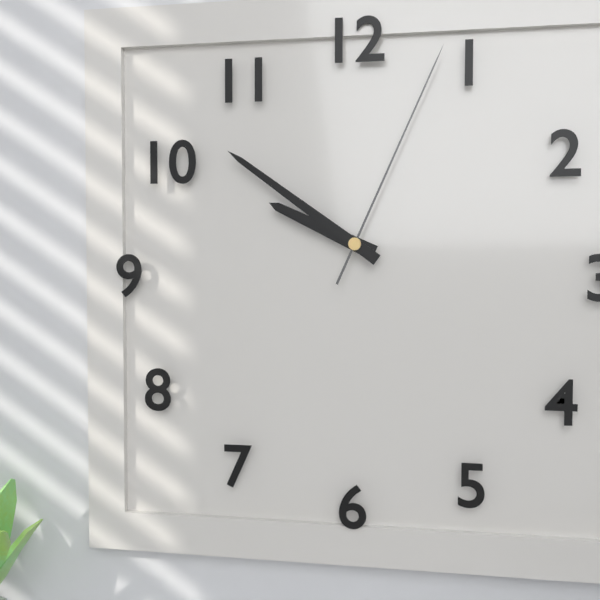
9:51:04
